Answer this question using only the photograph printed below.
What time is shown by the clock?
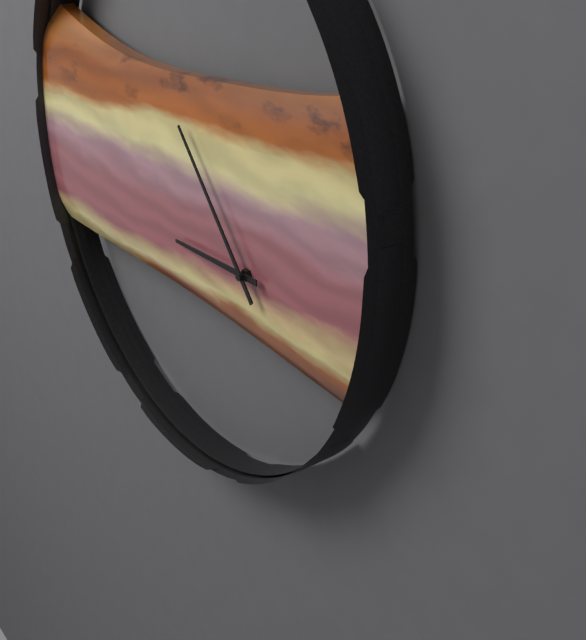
8:53
